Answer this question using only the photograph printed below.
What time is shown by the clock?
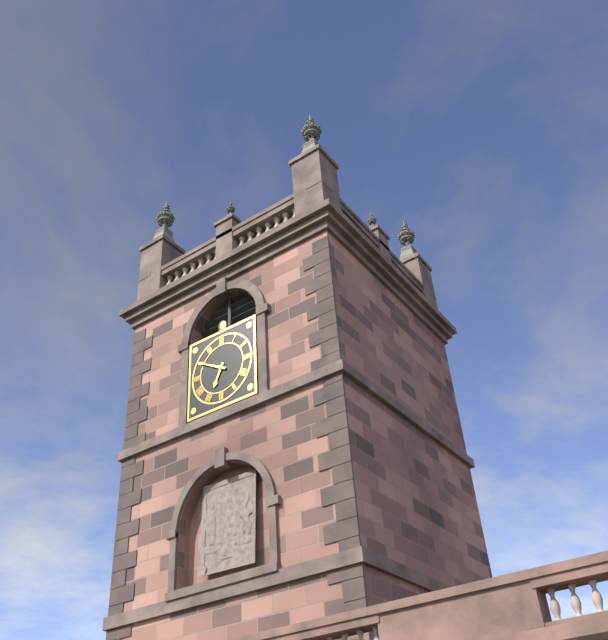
6:50
